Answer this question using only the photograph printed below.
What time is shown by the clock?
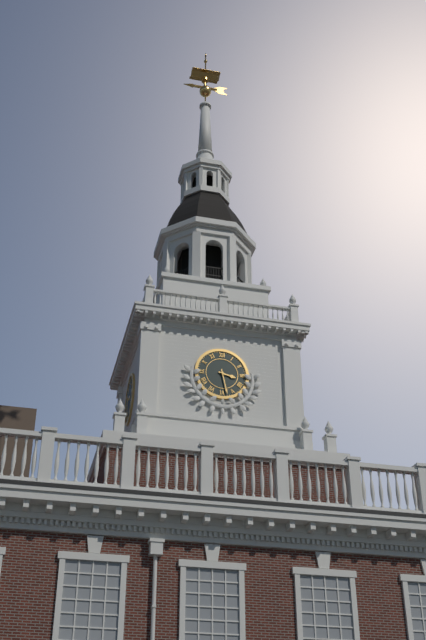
3:28
